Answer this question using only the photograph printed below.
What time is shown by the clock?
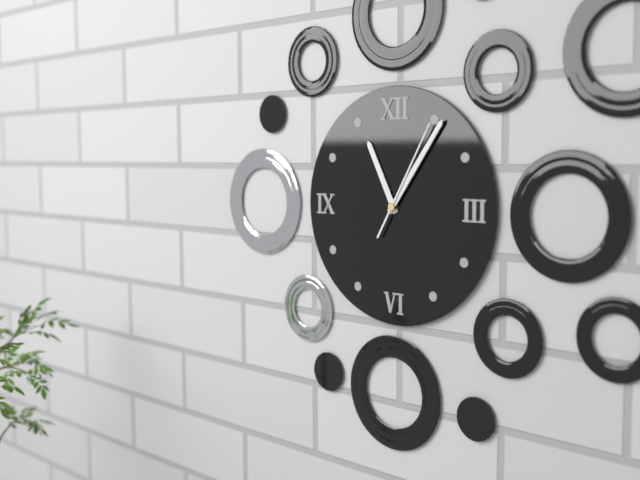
11:06:05
